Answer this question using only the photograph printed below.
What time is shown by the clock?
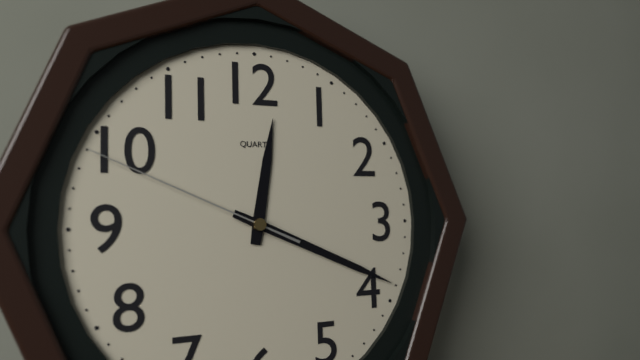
12:19:49
